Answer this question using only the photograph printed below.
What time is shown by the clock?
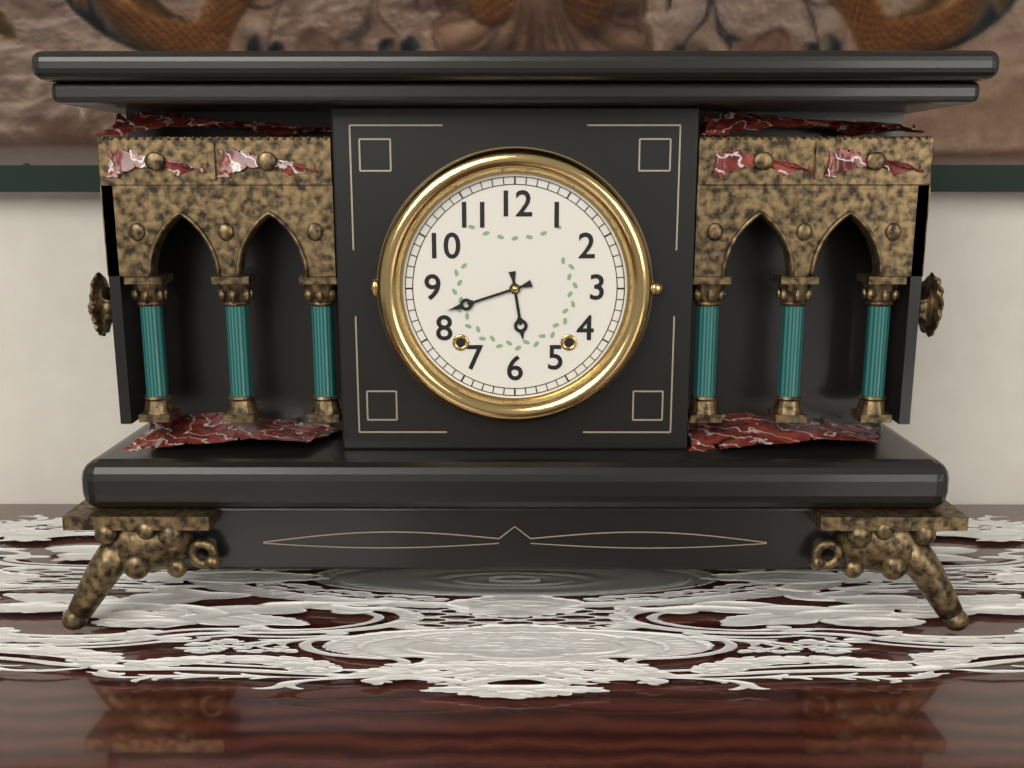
5:42
